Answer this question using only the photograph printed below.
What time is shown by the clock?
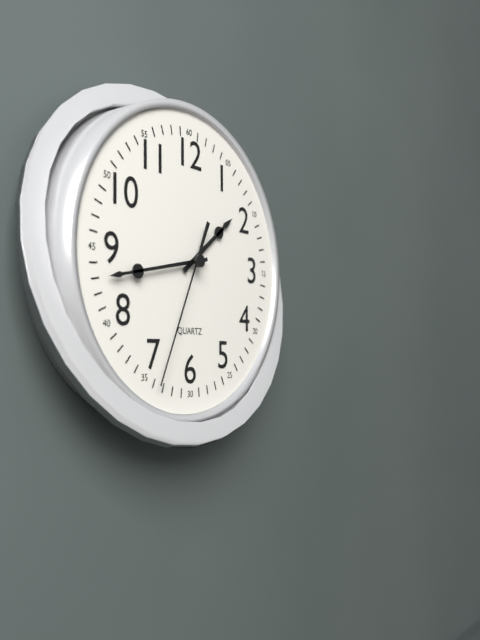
1:43:34
